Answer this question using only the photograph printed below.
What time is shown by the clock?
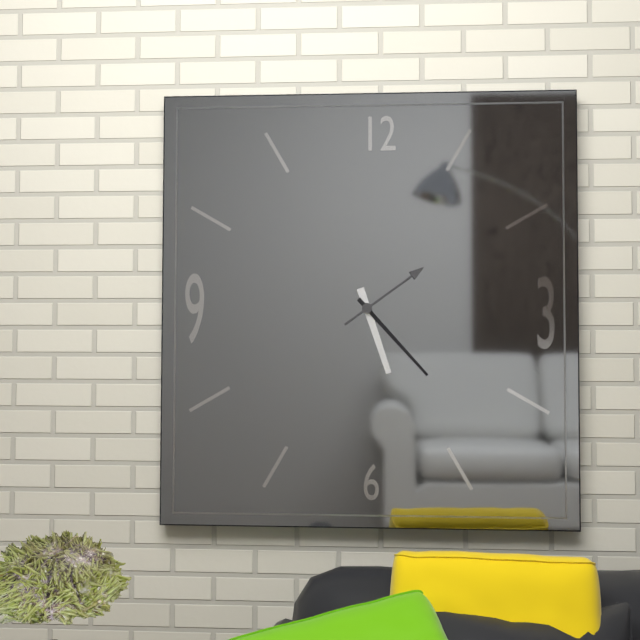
5:23:09
